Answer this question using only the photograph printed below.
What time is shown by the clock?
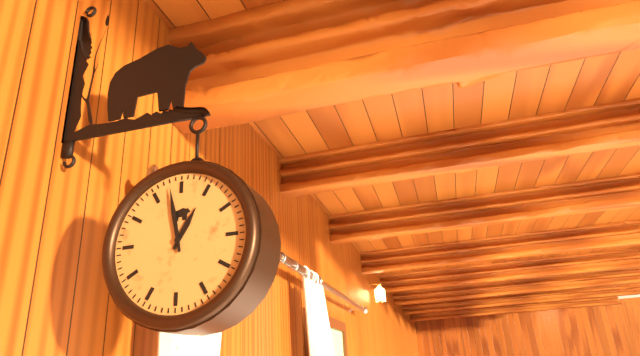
12:58
